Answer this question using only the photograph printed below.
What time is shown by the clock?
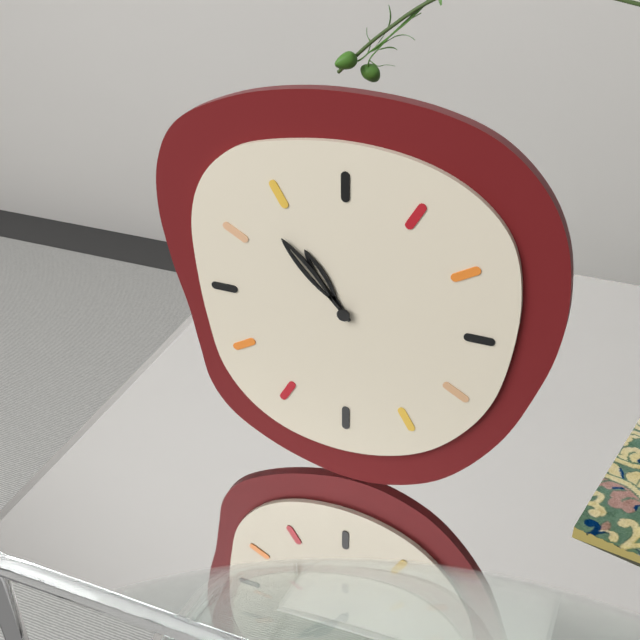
10:53
